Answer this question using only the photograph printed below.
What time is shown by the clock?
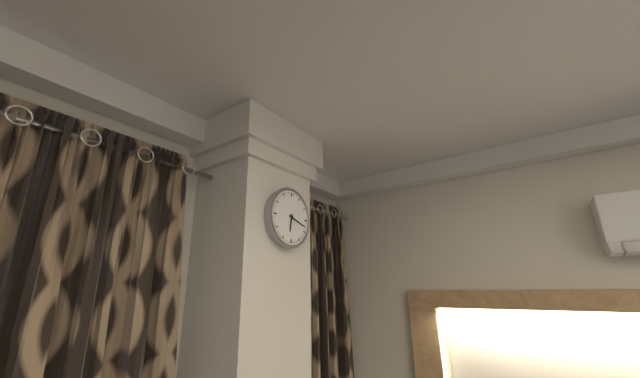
6:18
